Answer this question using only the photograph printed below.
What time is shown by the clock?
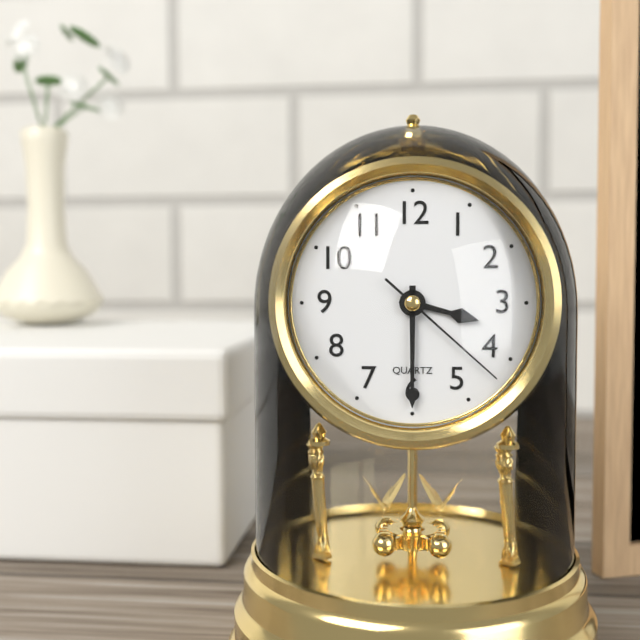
3:30:22
